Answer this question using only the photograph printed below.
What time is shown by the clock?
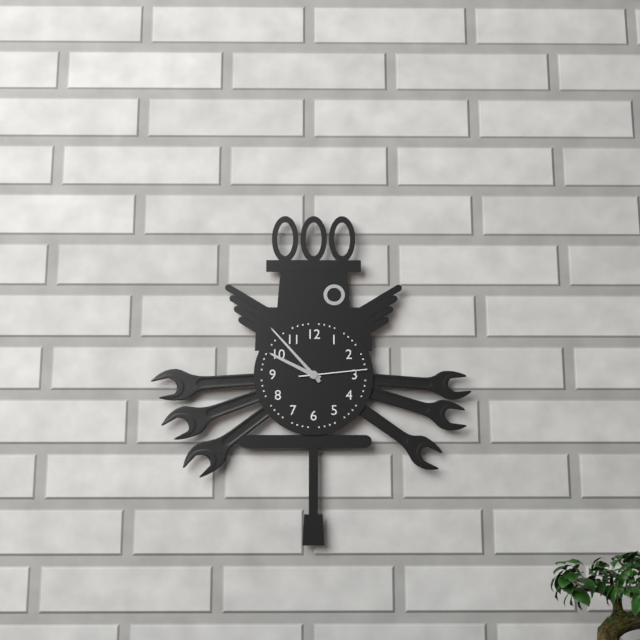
9:53:14
